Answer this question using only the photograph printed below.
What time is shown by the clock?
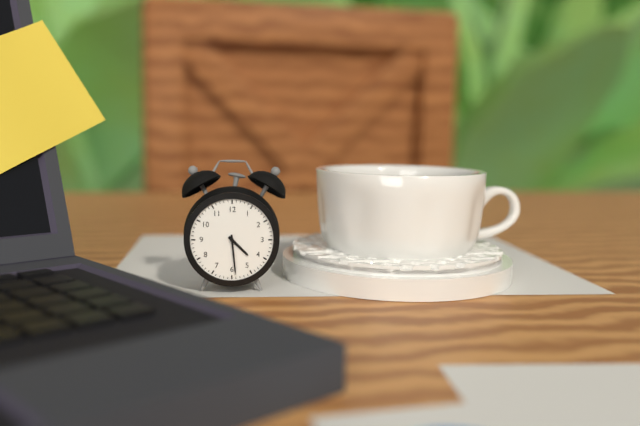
4:29
